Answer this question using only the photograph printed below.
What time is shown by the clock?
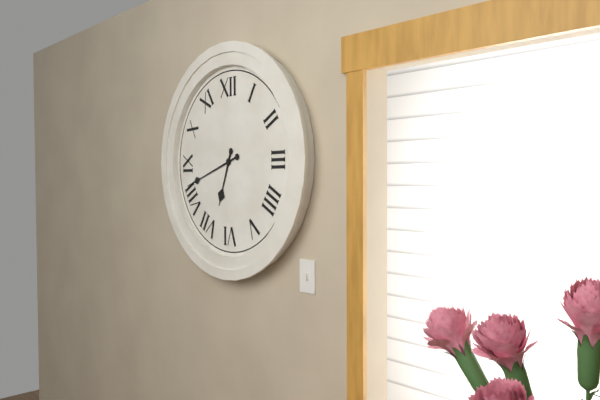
6:42
